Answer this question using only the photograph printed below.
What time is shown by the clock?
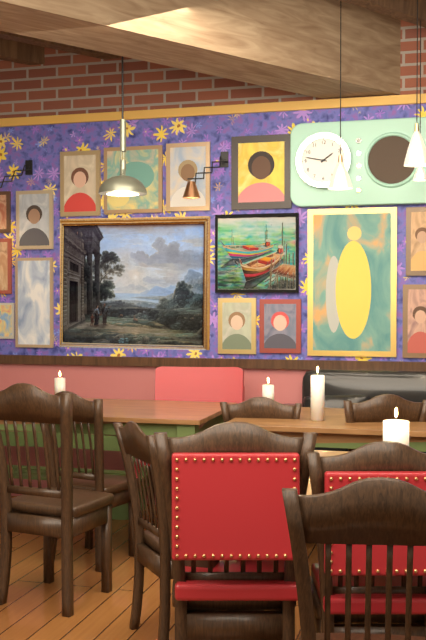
1:47
